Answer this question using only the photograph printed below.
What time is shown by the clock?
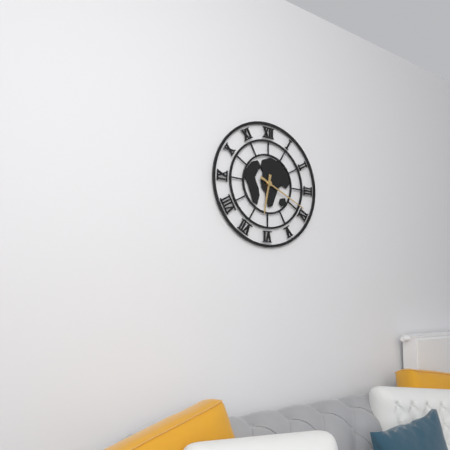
6:19
